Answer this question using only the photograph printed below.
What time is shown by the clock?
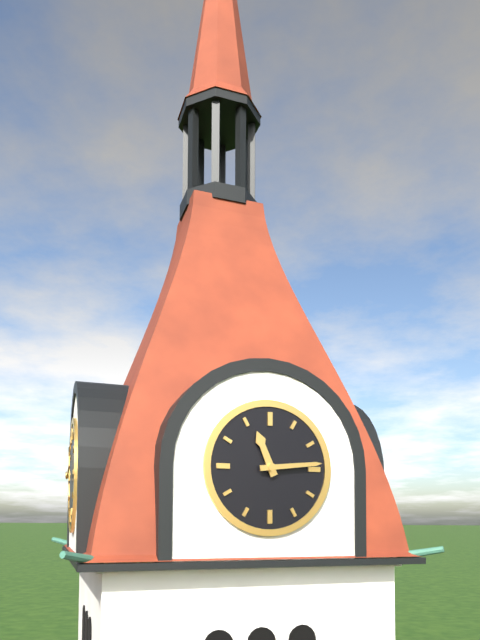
11:14
